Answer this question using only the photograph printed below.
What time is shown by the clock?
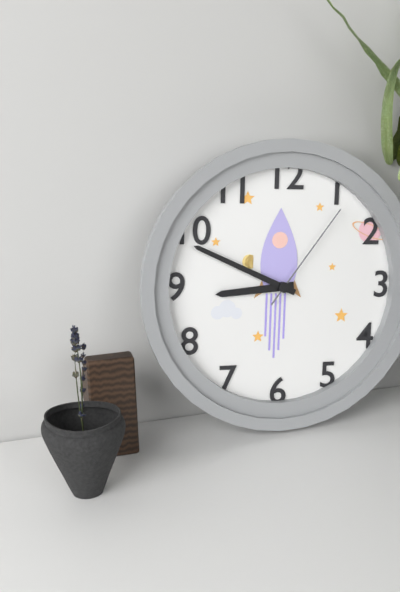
8:49:06
